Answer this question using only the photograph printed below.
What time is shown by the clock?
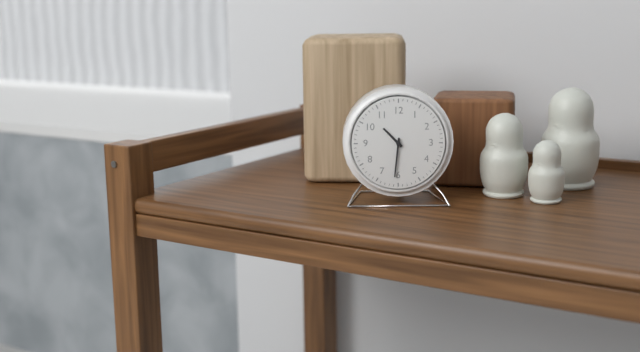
10:31
